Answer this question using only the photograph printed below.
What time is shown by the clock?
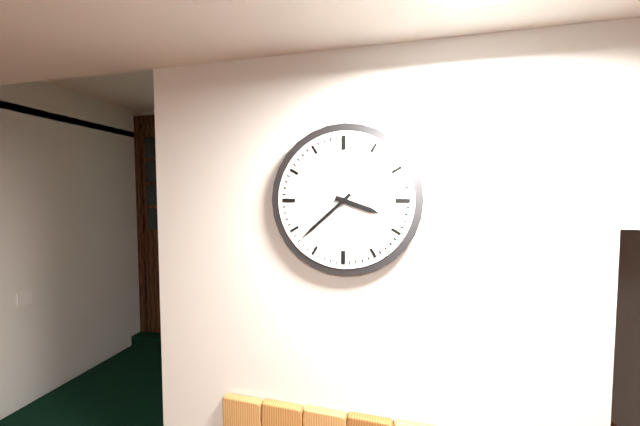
3:38
